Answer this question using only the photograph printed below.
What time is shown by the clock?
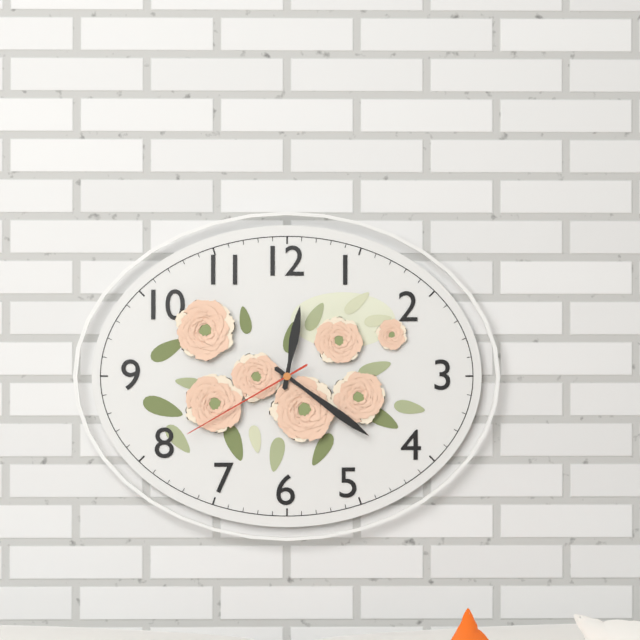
12:21:40
